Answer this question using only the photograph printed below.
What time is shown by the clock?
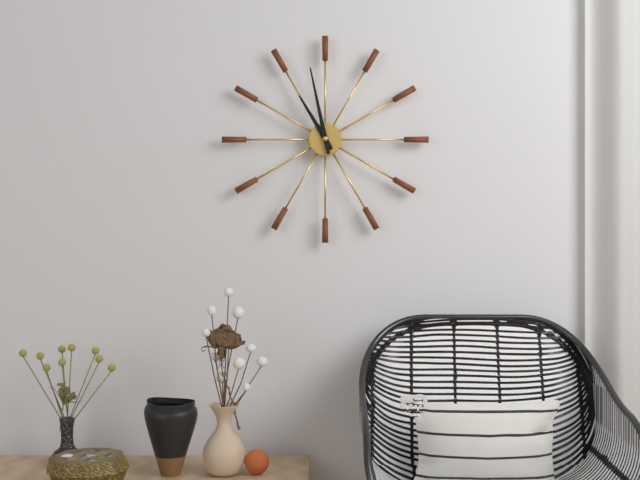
10:58
